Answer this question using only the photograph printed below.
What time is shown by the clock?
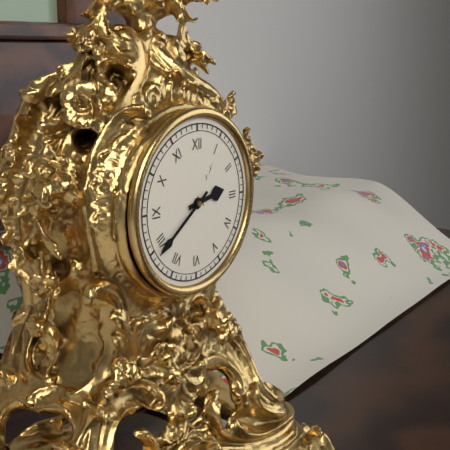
2:39
